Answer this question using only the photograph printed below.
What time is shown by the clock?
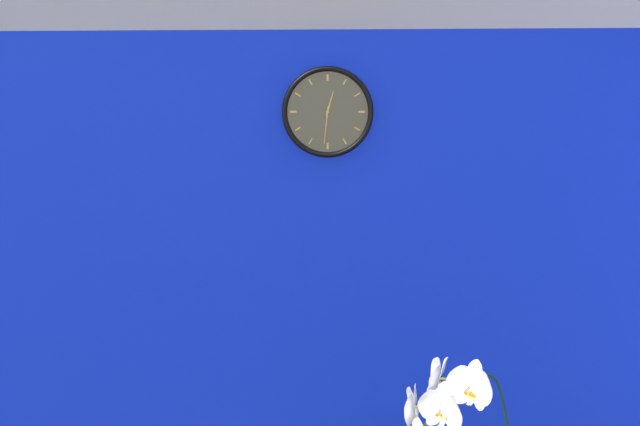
12:31
